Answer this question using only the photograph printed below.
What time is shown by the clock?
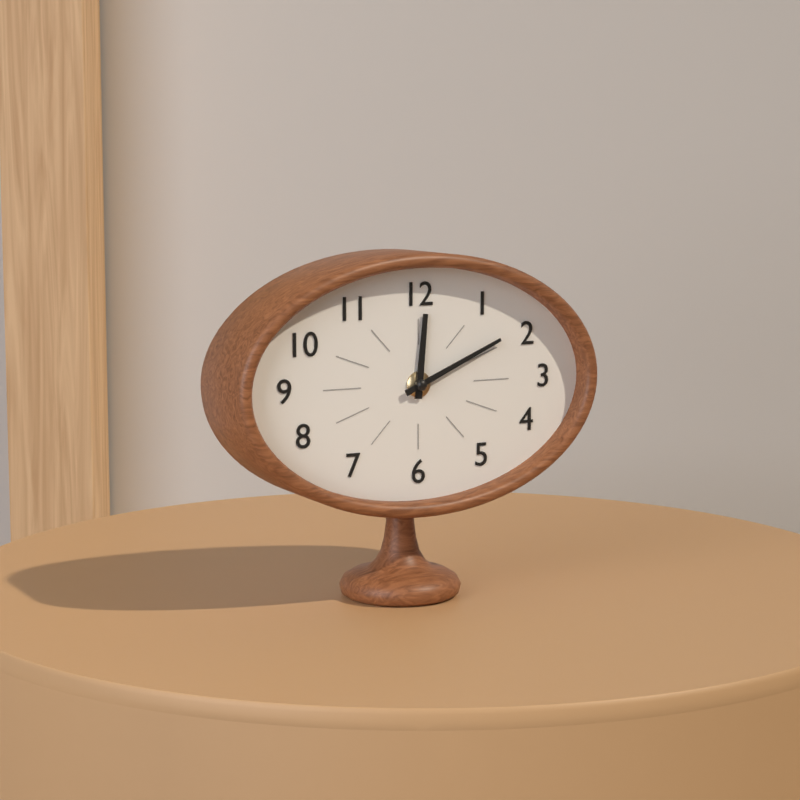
12:11
